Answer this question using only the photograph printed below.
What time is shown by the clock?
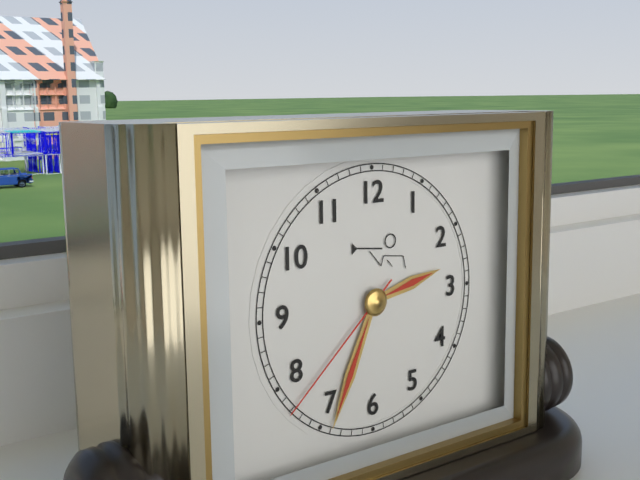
2:34:38
